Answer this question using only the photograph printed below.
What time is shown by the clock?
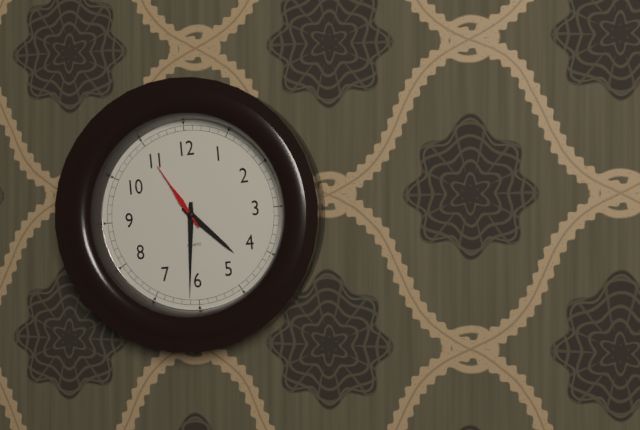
4:31:55
